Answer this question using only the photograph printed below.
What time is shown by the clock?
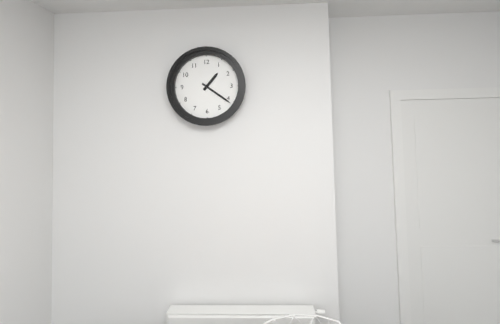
1:21
